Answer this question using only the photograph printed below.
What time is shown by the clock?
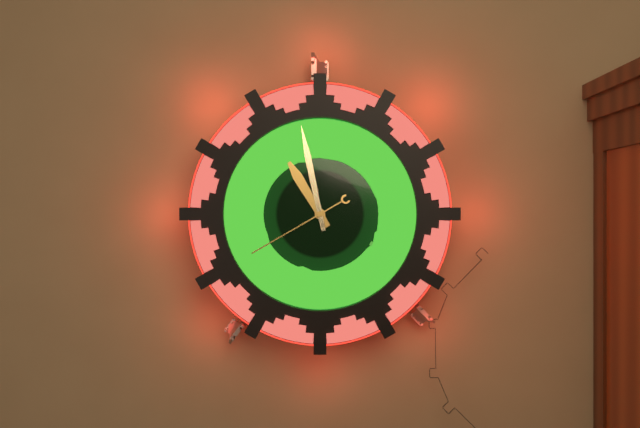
10:58:40
